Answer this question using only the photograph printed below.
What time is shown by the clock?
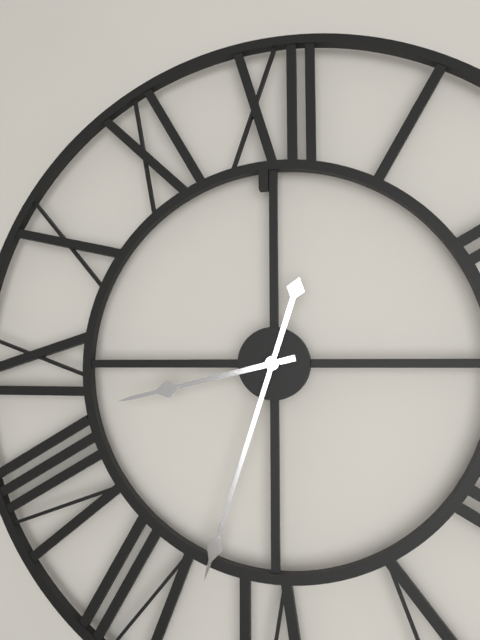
8:33
